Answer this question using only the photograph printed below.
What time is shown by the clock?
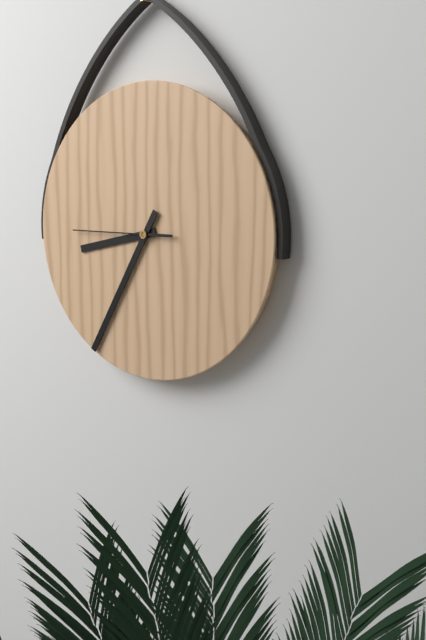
8:35:45
